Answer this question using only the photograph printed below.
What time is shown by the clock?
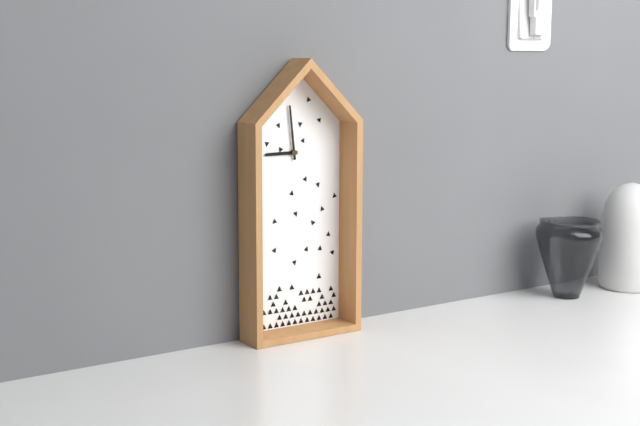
8:59
